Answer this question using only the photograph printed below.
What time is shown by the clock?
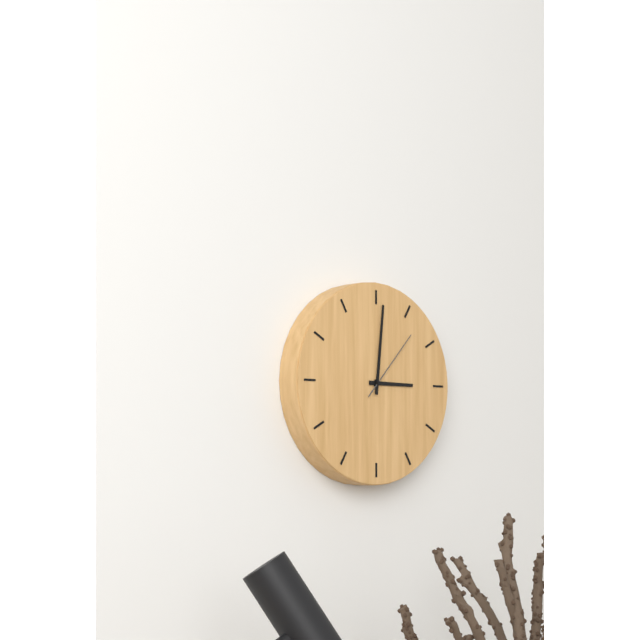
3:01:07
